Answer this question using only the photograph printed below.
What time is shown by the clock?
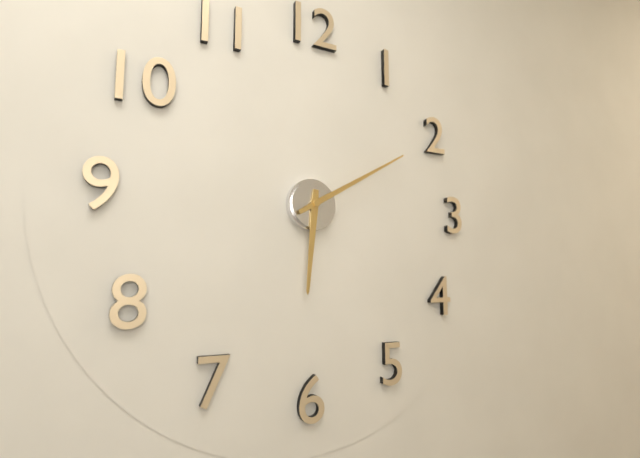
6:10
